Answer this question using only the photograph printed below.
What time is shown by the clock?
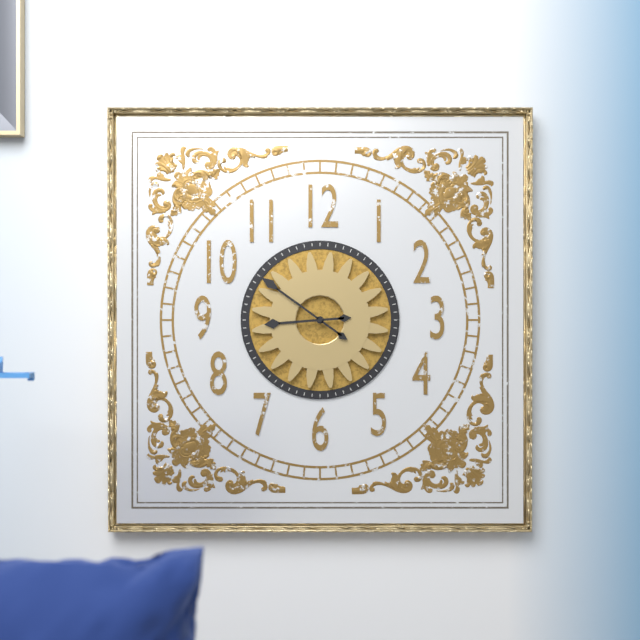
8:51
